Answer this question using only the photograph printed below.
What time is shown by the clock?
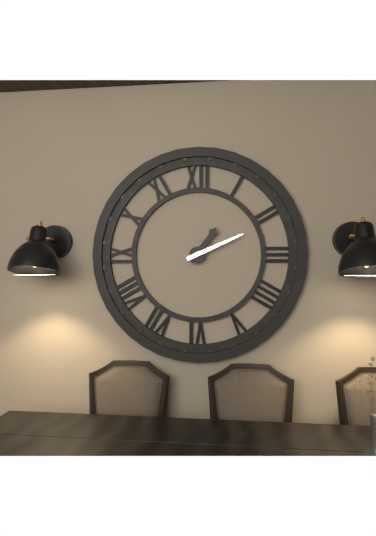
1:11
